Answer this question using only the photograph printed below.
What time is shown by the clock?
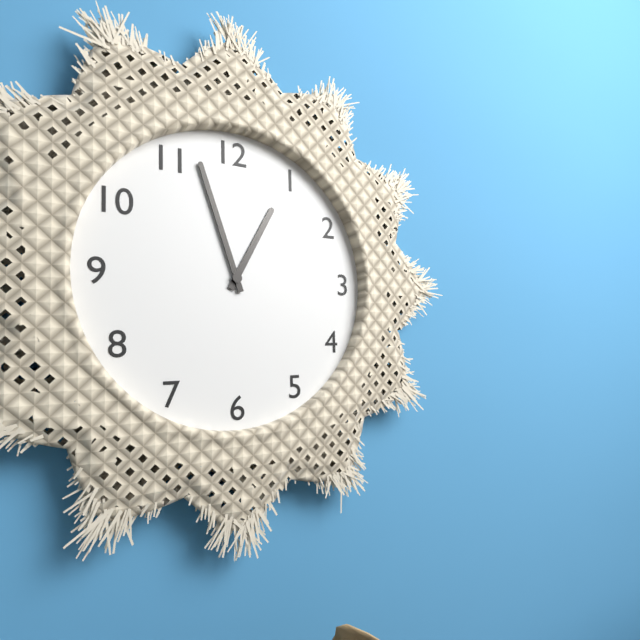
12:57
